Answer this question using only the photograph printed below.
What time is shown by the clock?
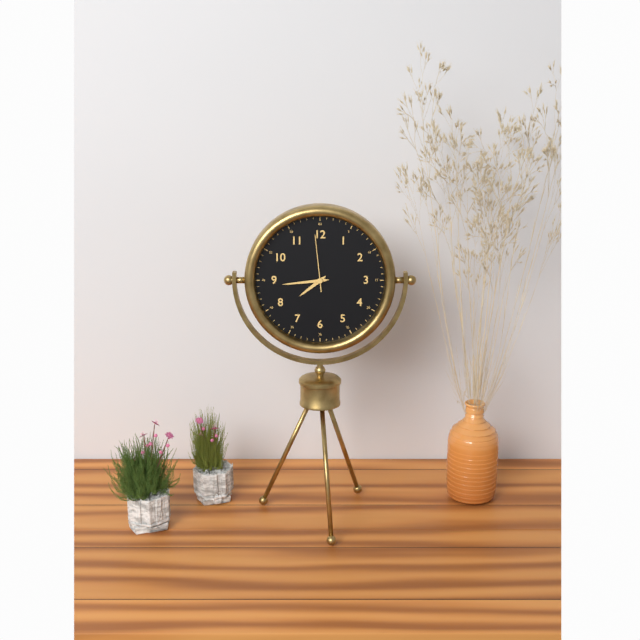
7:44:59
